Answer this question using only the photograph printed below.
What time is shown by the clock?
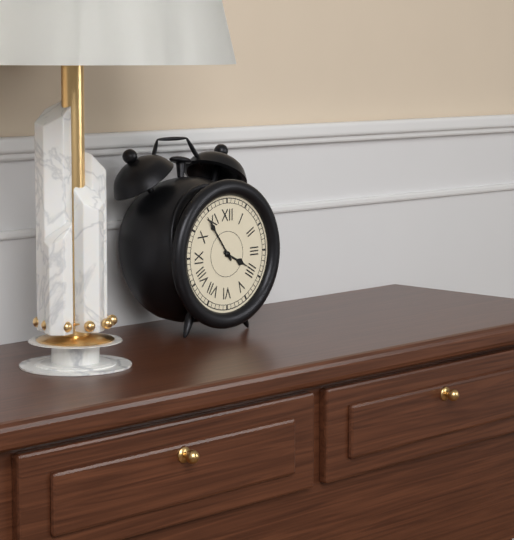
3:54
